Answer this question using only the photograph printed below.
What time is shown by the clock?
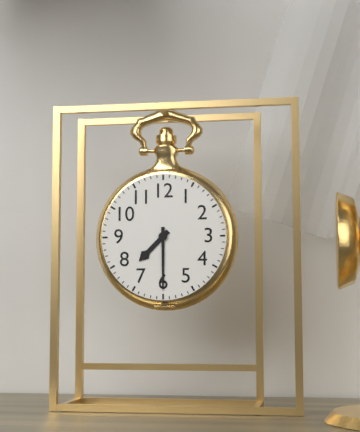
7:30
